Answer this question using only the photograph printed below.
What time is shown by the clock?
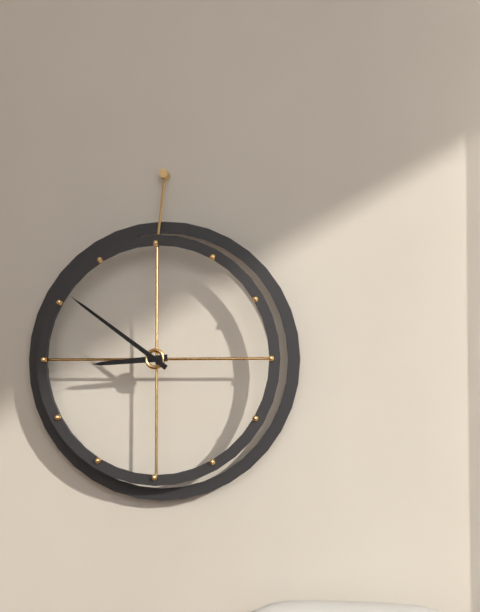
8:51
